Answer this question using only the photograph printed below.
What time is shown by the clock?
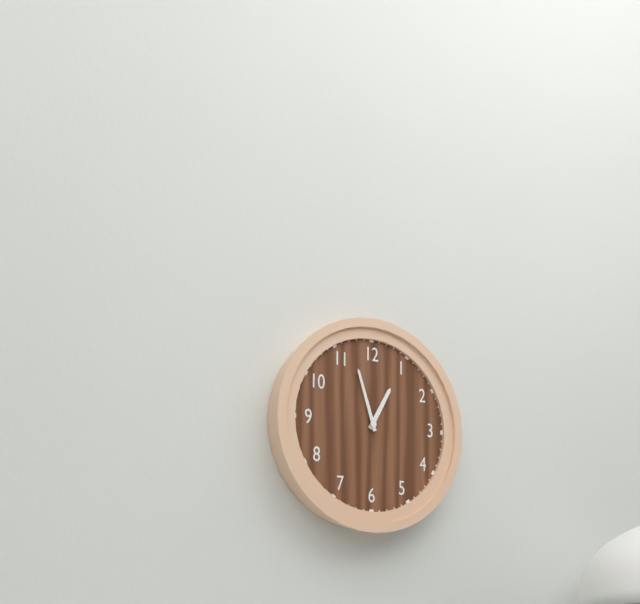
12:57
